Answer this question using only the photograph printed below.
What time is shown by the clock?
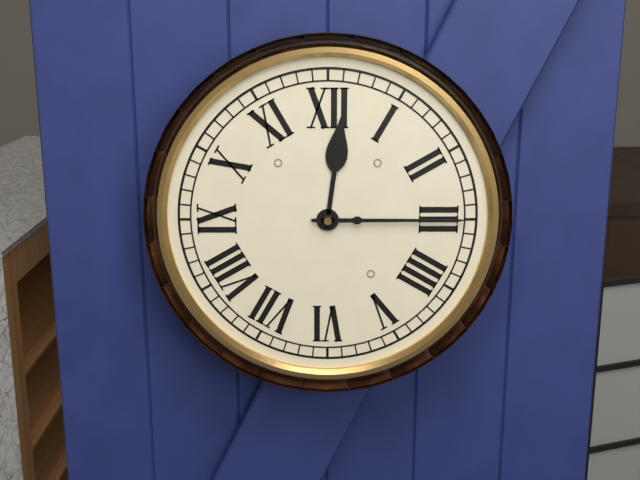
12:15
